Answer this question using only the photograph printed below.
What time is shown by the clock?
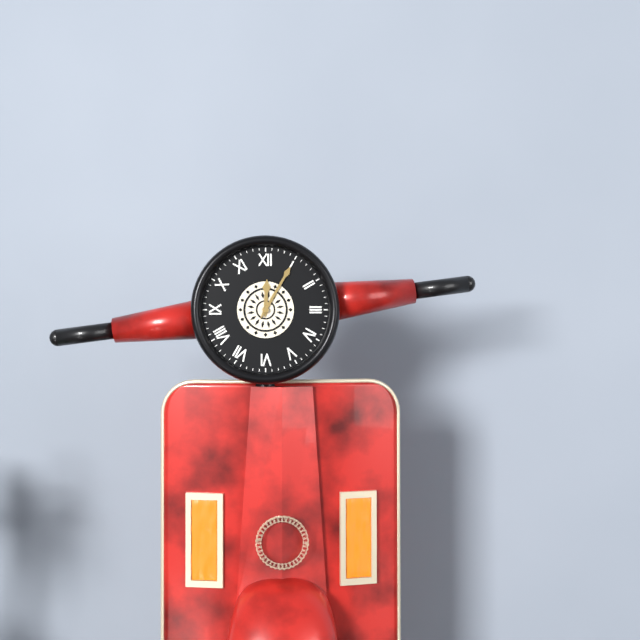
12:05
